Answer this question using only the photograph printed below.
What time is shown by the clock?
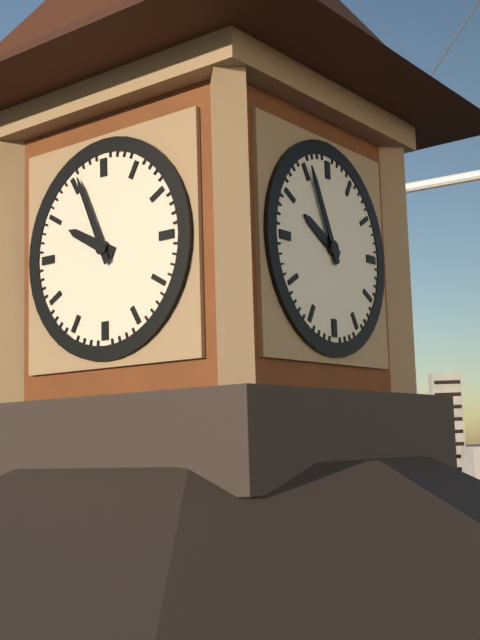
9:56
